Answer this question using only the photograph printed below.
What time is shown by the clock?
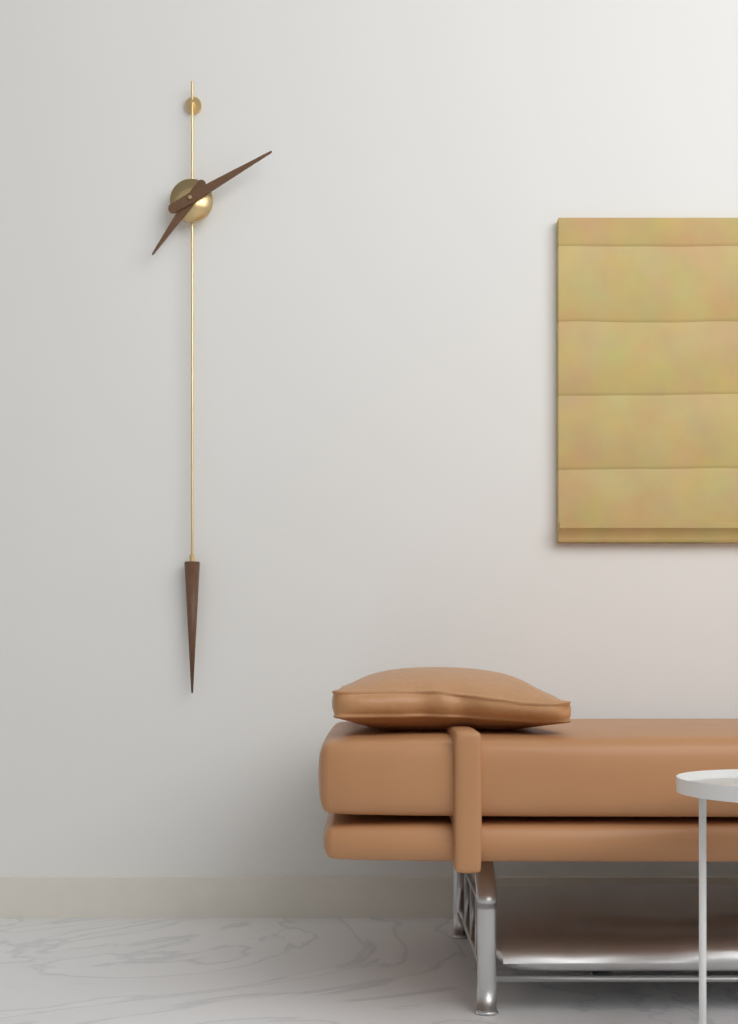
7:10
